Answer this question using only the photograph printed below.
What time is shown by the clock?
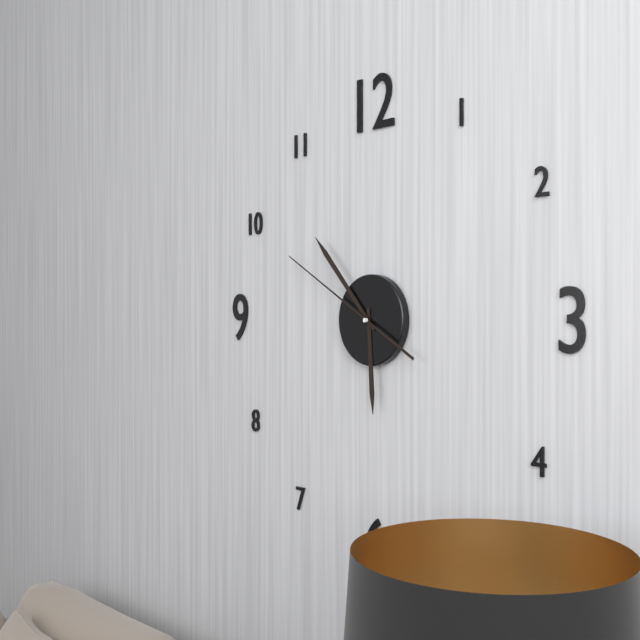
5:53:50
